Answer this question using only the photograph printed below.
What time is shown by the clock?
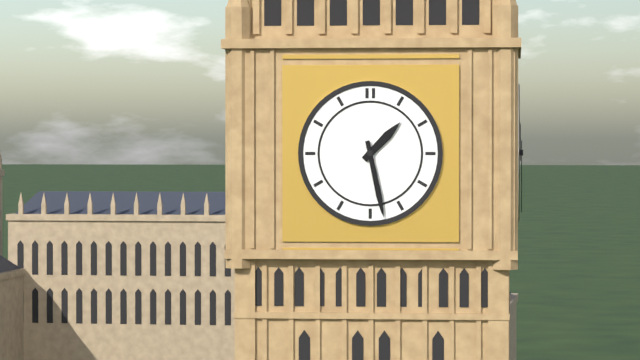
1:28
